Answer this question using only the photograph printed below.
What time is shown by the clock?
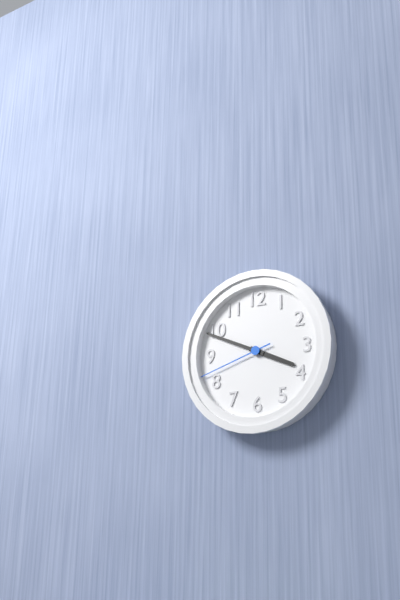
3:49:42
